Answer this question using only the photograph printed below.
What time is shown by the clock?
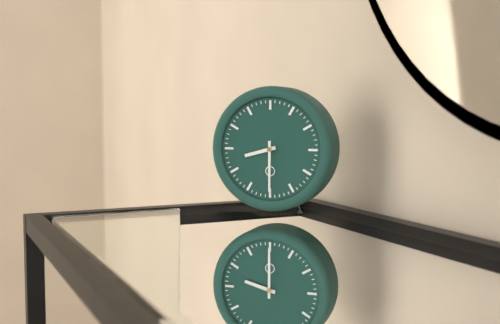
8:30
